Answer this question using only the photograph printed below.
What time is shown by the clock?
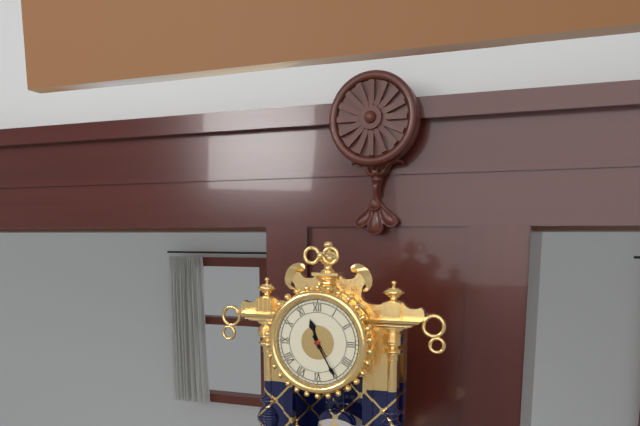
11:25
